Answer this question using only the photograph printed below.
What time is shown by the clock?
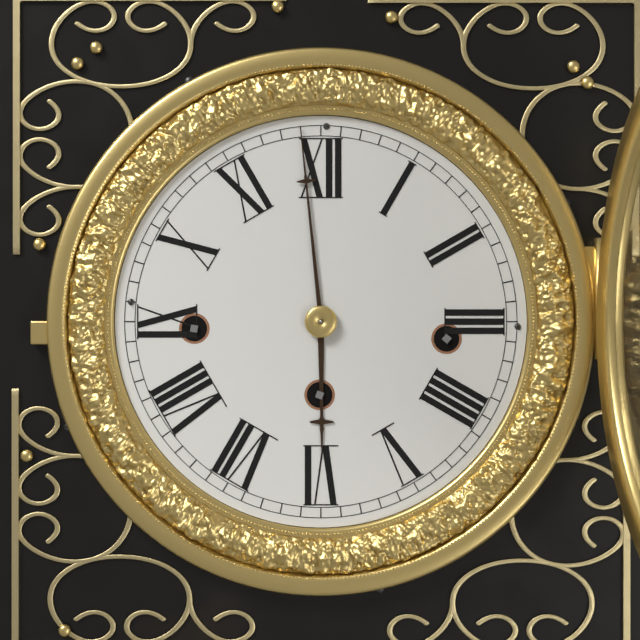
5:59
